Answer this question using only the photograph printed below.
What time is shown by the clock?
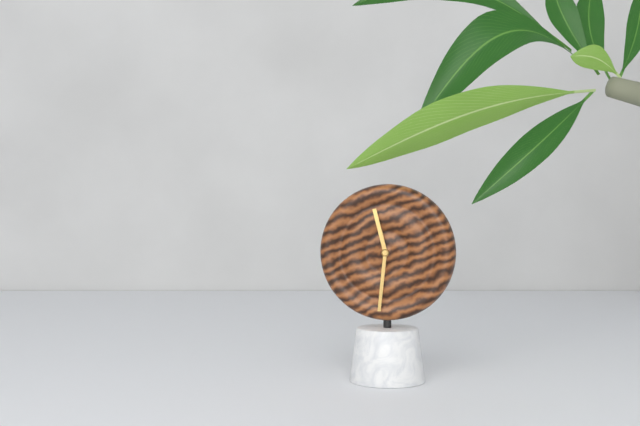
11:31
